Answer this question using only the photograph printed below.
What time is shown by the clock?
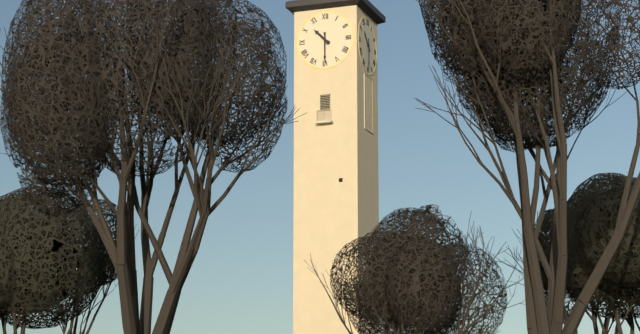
10:30
